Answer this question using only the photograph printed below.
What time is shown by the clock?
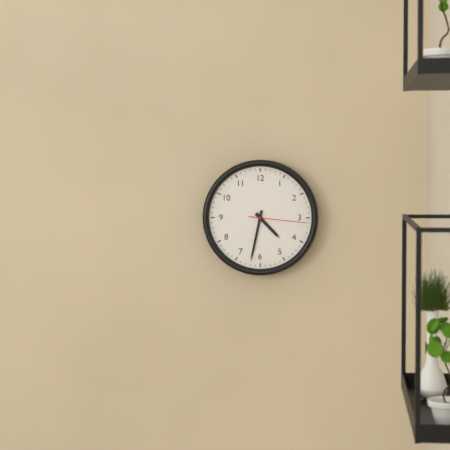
4:32:16
